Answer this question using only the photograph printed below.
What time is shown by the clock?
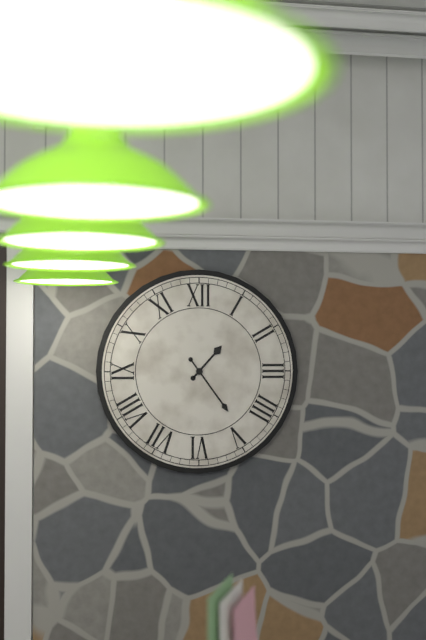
1:24
